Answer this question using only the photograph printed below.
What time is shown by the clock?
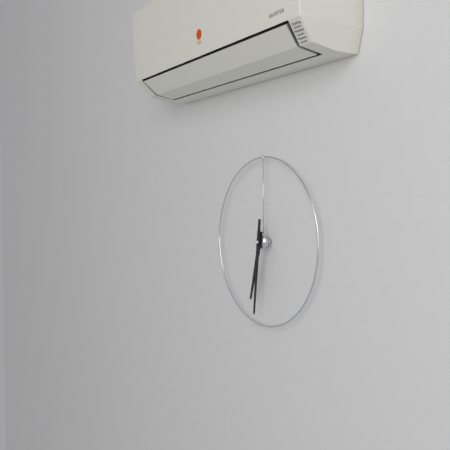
6:31
